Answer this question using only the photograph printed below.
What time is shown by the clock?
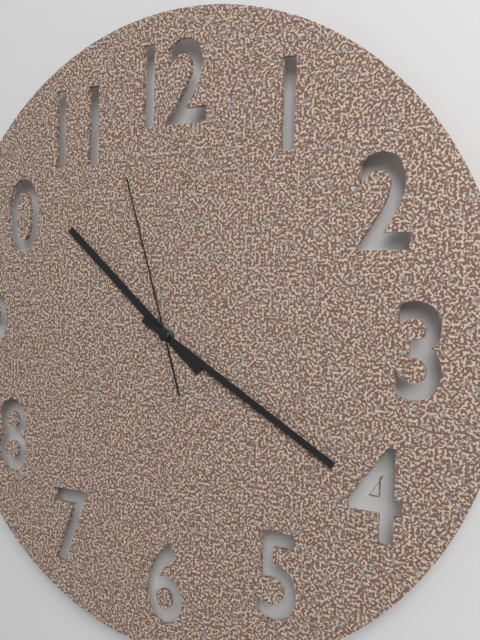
10:20:57
